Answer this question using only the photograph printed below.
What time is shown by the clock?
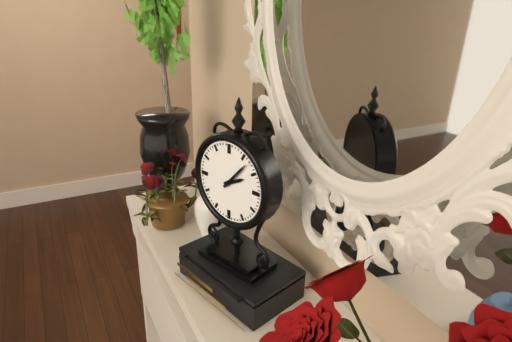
2:07
